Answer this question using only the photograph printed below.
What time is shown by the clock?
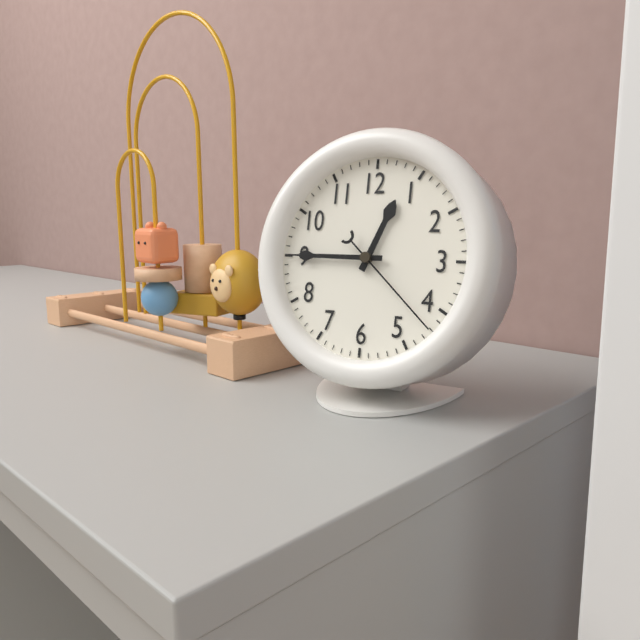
12:45:22
